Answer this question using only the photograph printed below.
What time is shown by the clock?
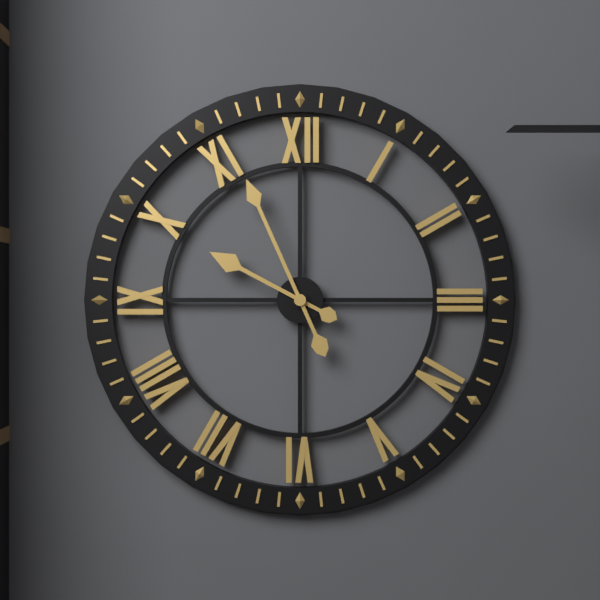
9:56
